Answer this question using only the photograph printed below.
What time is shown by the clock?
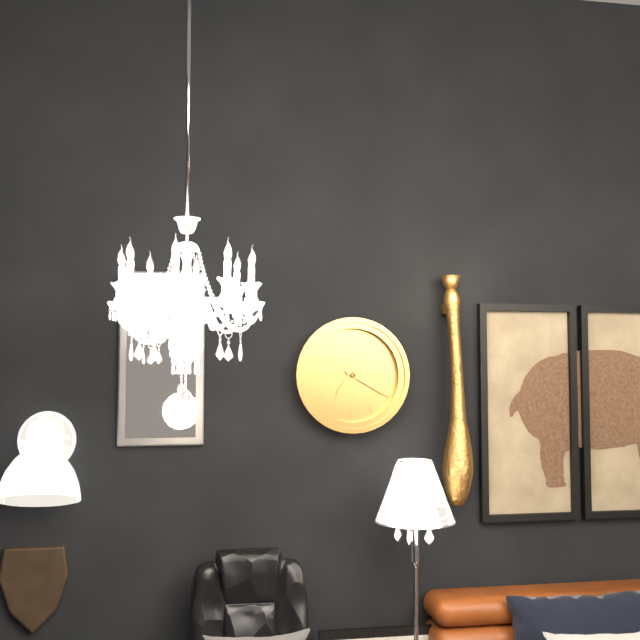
7:20
